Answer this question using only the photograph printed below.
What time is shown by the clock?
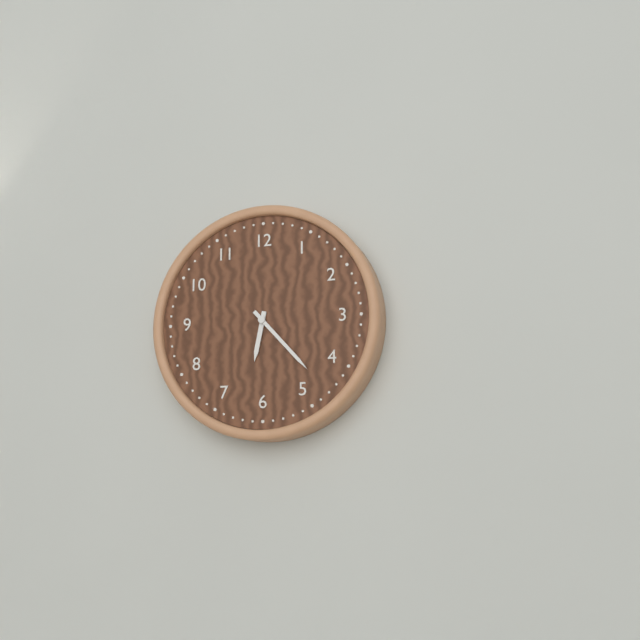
6:23
